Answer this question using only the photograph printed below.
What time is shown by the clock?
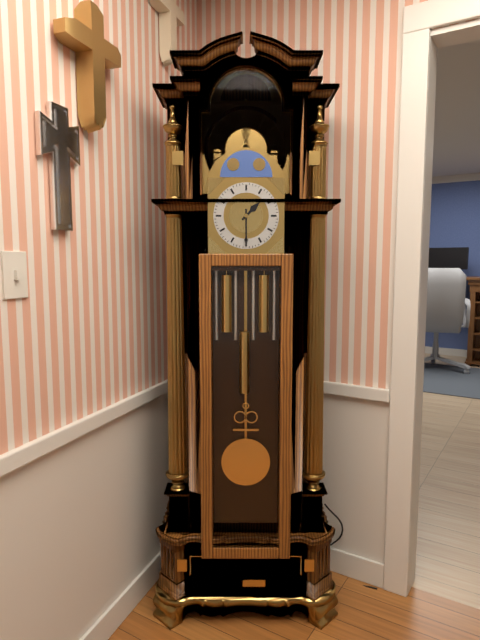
1:30
